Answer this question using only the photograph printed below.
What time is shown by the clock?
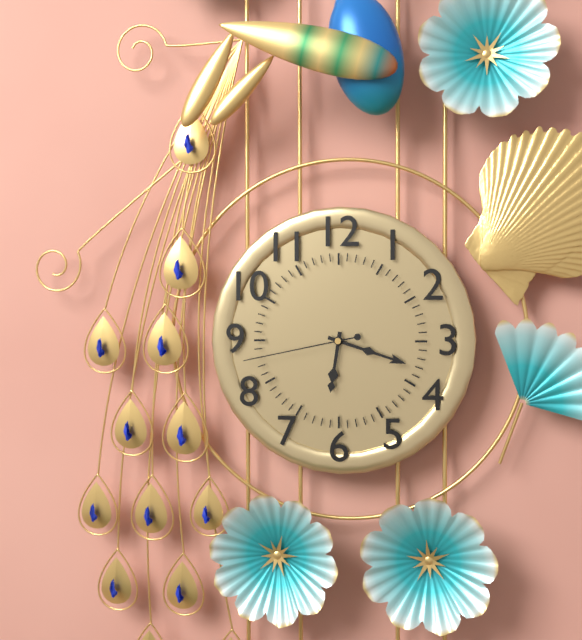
6:18:43
